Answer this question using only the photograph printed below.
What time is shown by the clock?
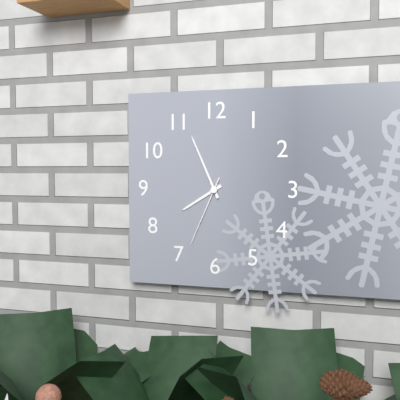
7:56:34
